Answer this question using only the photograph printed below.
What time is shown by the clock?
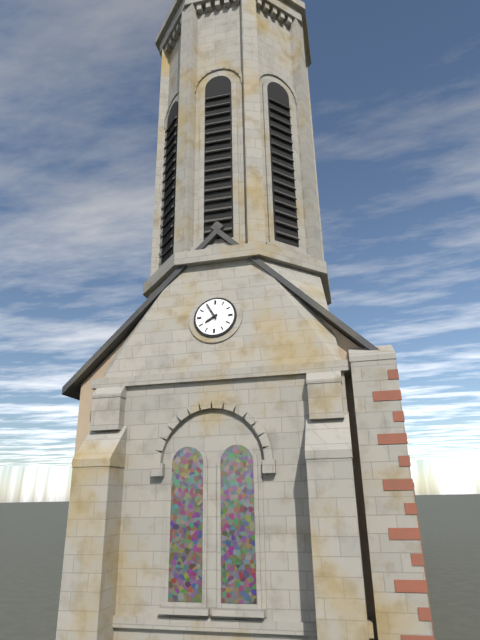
7:55
